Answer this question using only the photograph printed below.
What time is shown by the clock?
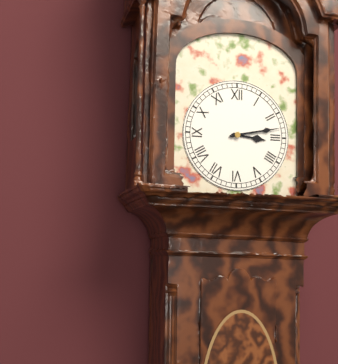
3:13
